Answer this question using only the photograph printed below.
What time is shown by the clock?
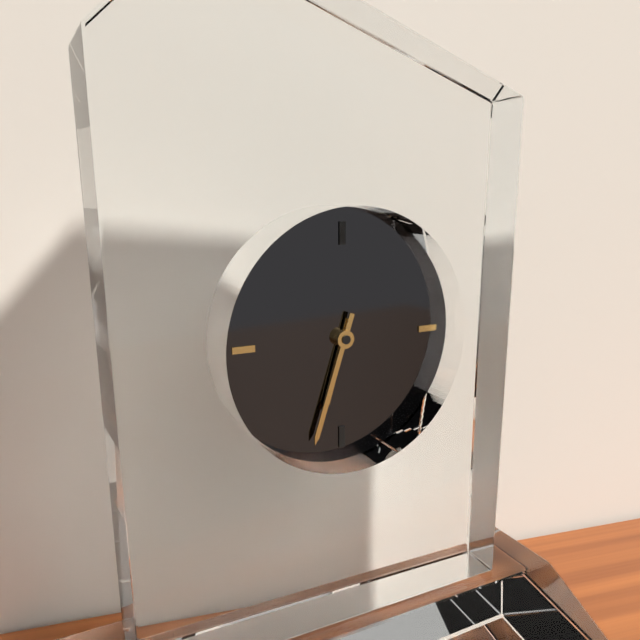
6:33
